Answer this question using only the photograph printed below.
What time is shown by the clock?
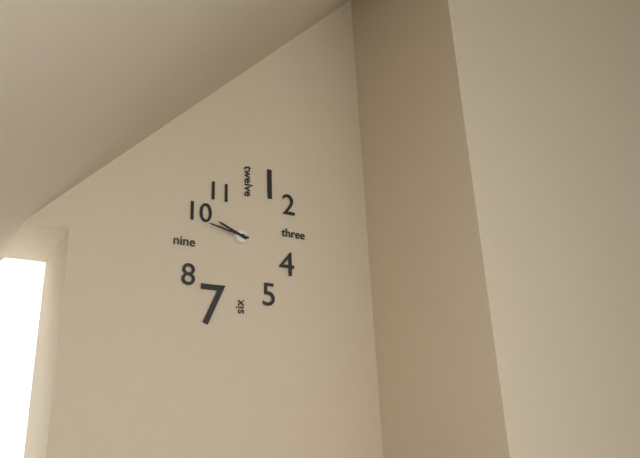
9:47
